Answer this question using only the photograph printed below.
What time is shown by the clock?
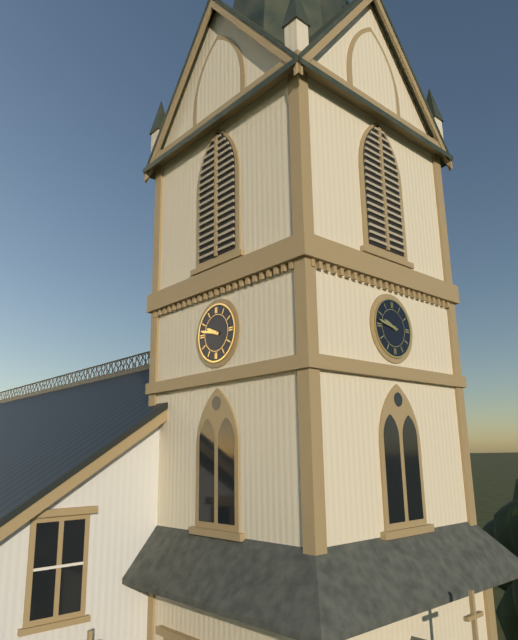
9:47
